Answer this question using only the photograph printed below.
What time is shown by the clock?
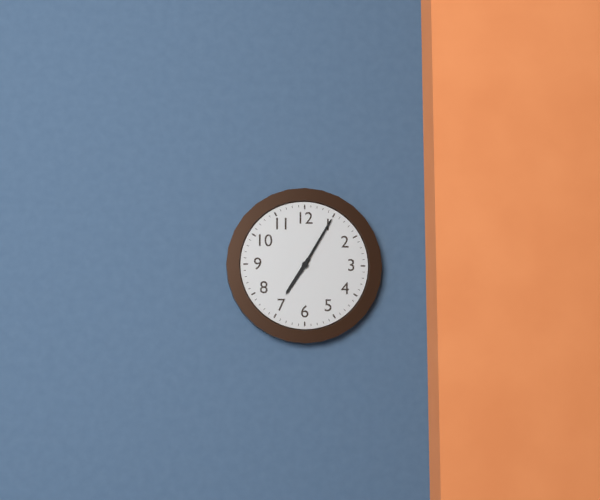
7:05
